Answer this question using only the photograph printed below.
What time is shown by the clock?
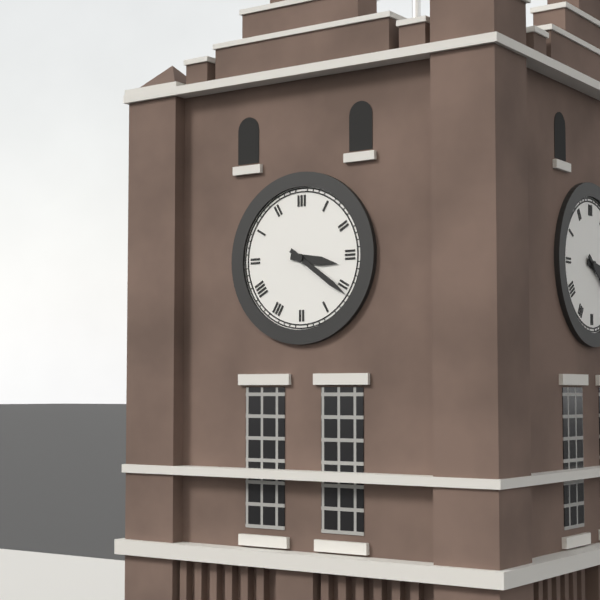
3:21
